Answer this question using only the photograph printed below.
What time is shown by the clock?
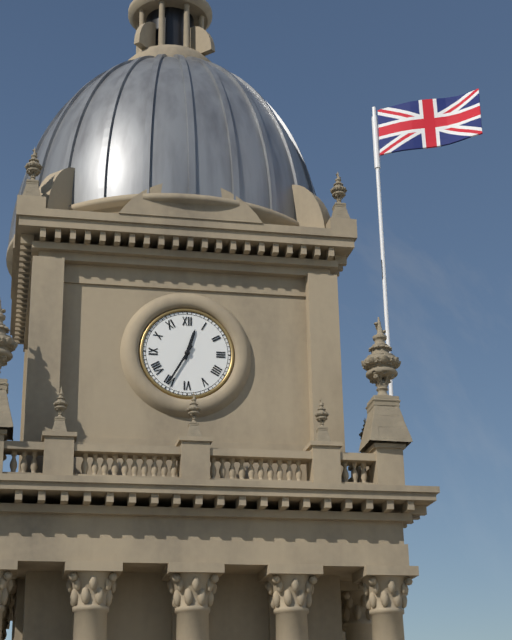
12:35
